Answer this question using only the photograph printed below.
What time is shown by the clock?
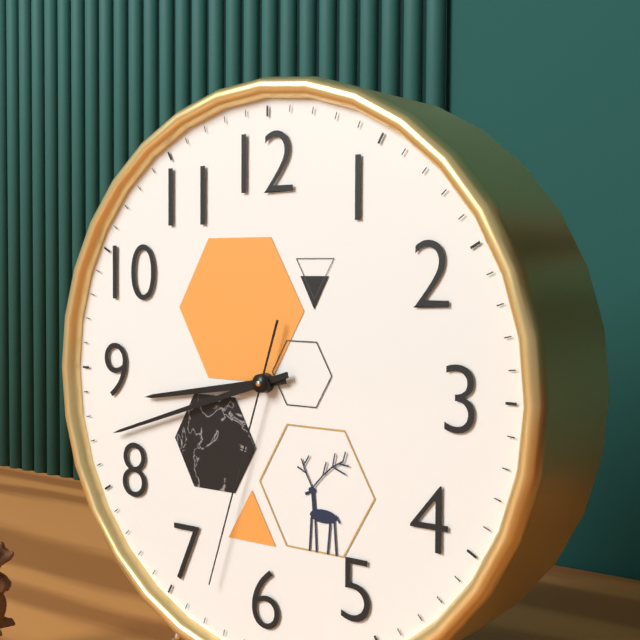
8:42:33
